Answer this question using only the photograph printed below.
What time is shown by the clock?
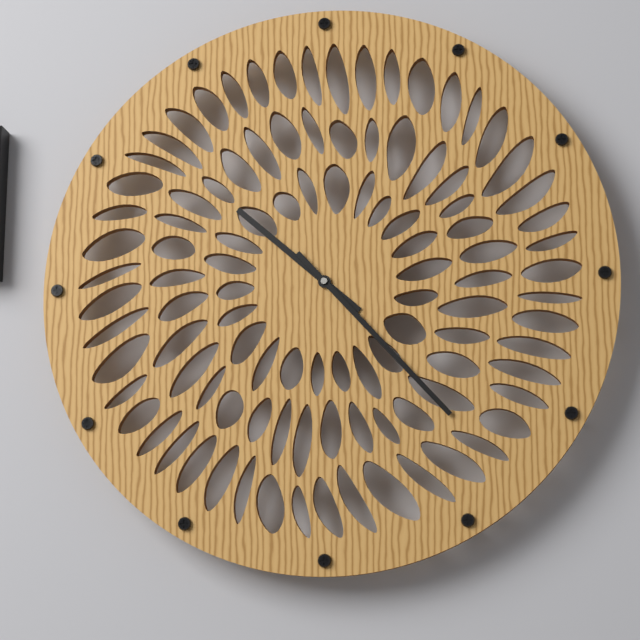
10:23
